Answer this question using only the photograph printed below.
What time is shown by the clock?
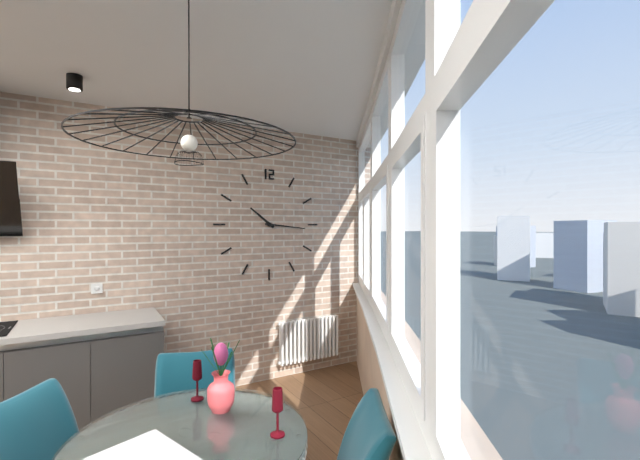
10:16
